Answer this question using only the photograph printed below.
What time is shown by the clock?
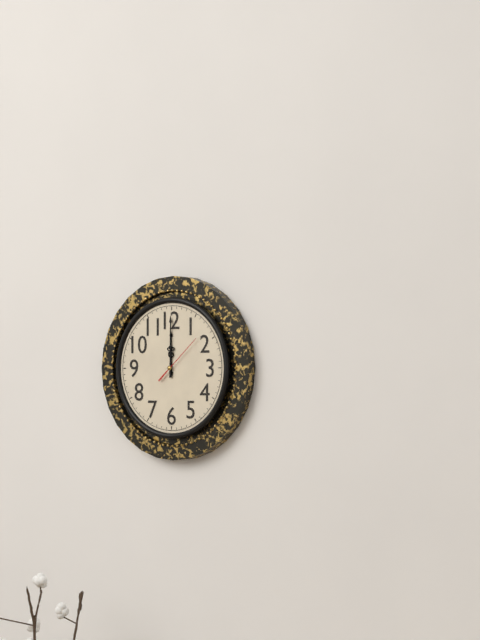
12:00
